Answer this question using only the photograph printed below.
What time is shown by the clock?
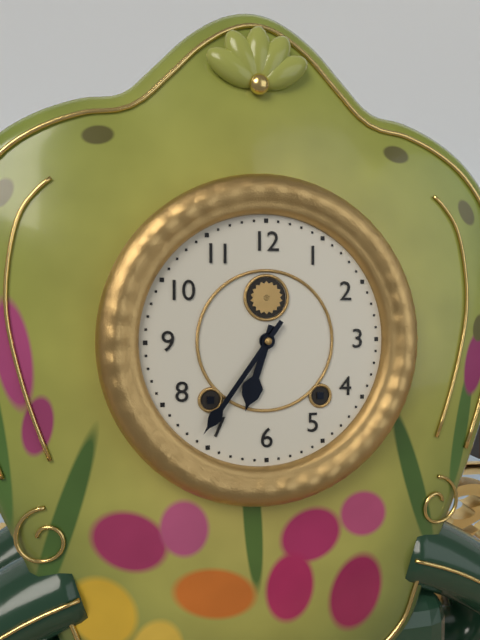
6:36
